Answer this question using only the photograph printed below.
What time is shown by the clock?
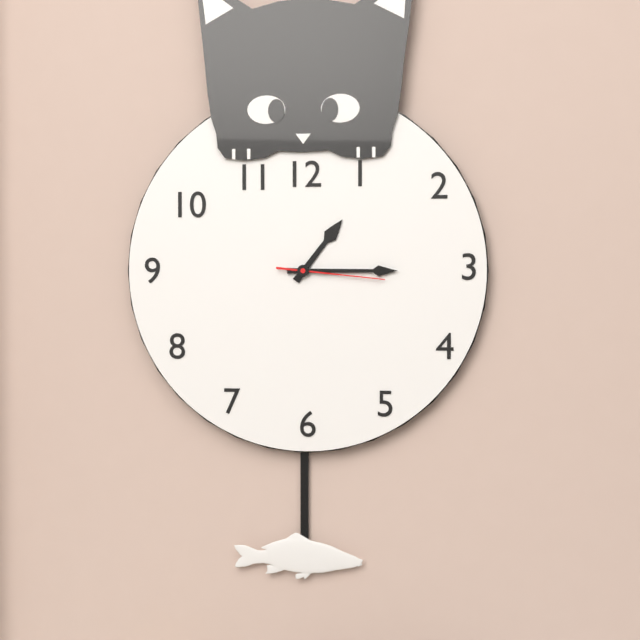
1:15:16
